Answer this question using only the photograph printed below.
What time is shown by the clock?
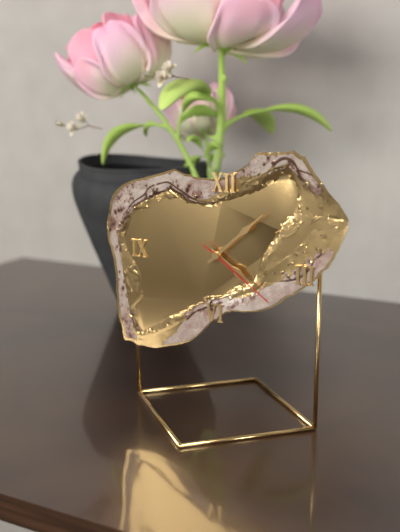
4:08:21
